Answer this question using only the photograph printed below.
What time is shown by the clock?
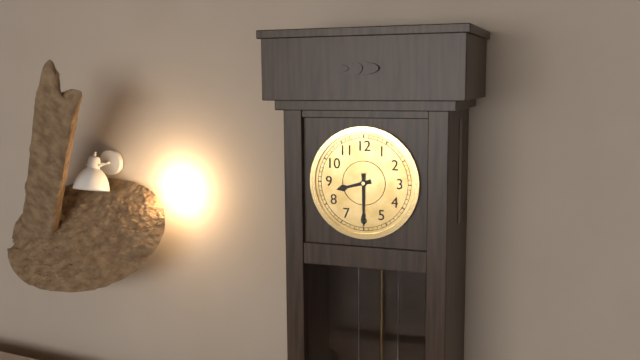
8:30
